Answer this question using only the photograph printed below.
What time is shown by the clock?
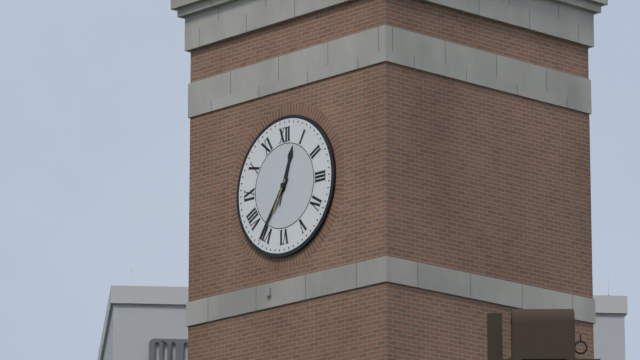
12:36
